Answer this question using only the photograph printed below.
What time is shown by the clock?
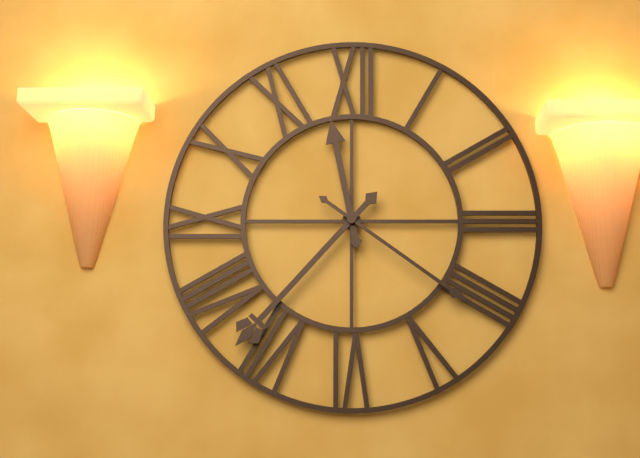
11:37:21
